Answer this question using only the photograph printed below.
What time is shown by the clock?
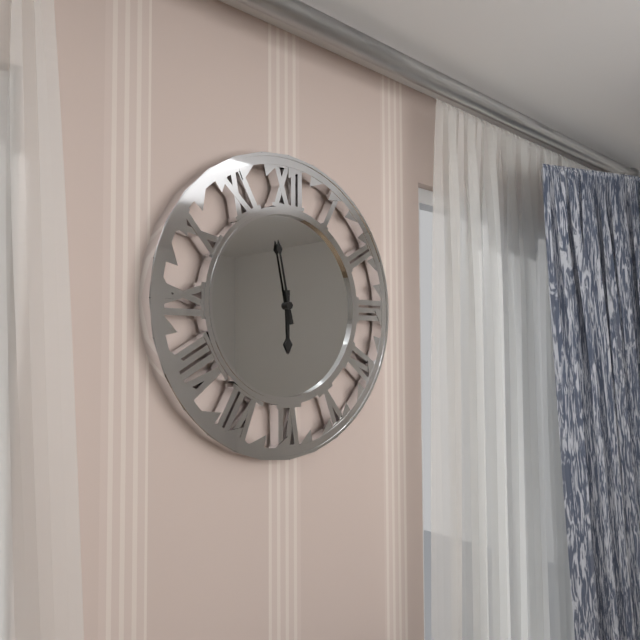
5:58
